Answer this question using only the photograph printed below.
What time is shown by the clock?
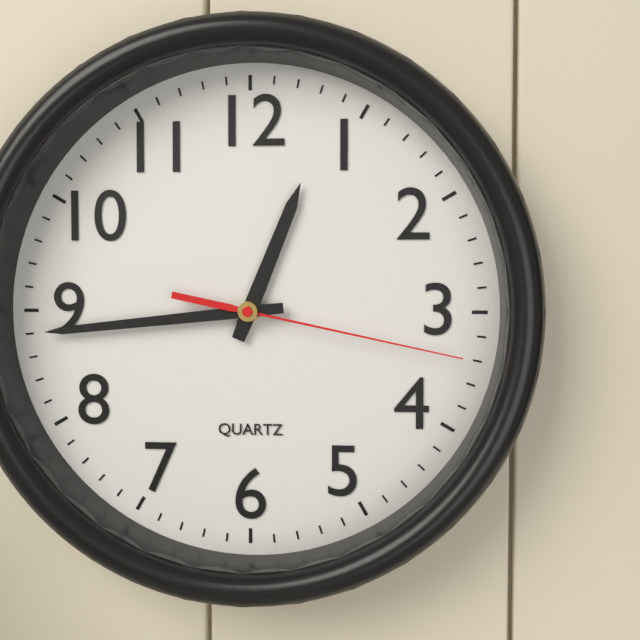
12:44:17
